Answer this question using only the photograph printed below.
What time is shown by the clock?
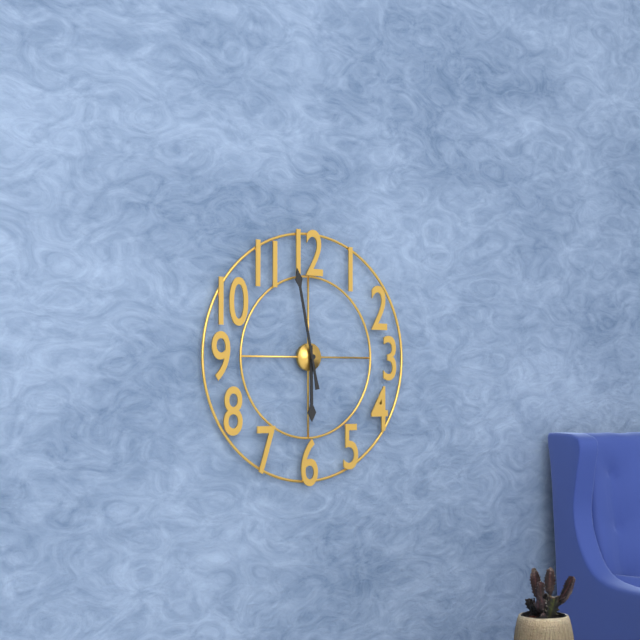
5:58
